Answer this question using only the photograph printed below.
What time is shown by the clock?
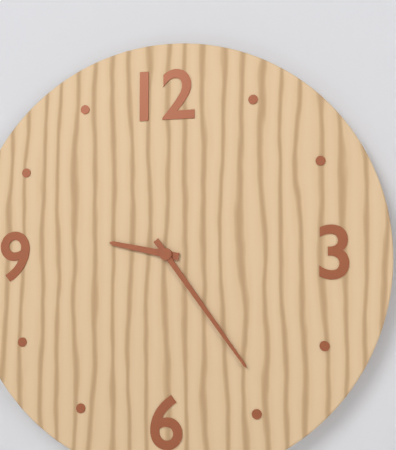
9:24
